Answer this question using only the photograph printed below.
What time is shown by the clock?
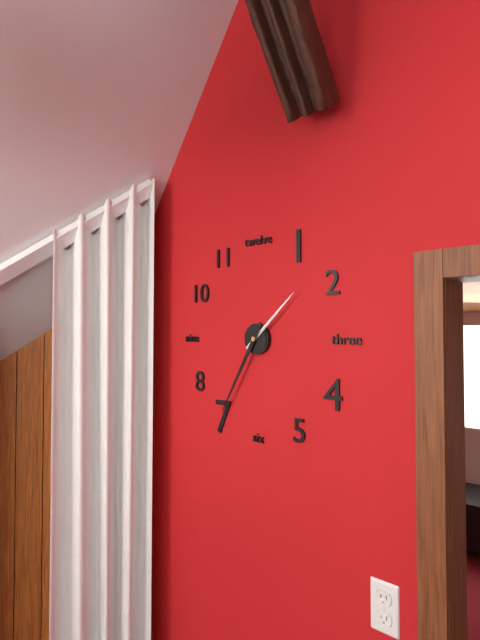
1:35
